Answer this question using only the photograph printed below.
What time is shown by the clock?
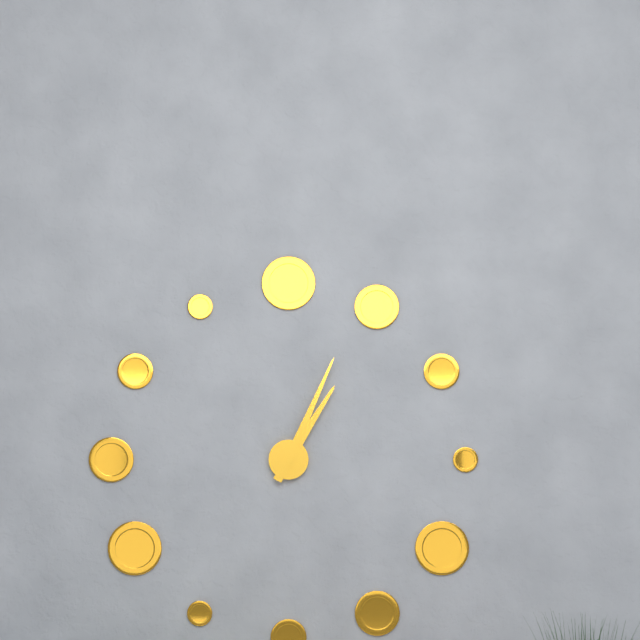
1:04
